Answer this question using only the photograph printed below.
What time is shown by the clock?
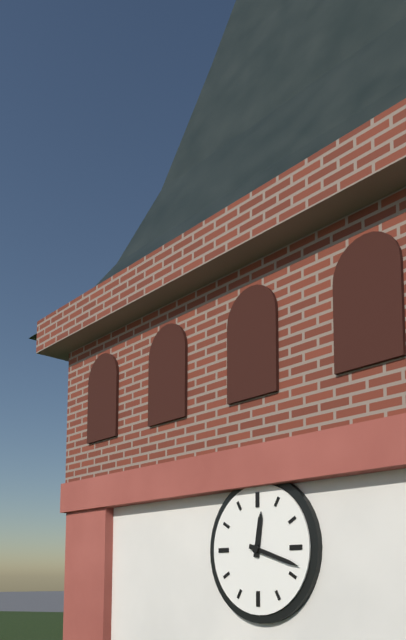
12:18
